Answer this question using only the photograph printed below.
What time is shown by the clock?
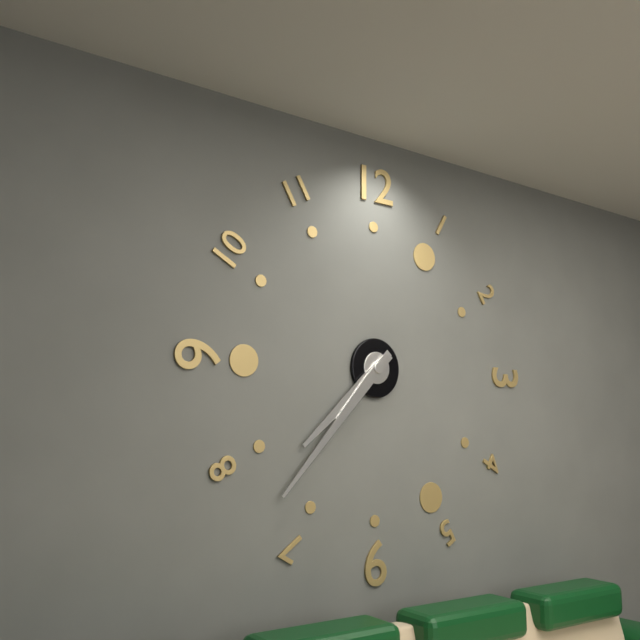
7:37
